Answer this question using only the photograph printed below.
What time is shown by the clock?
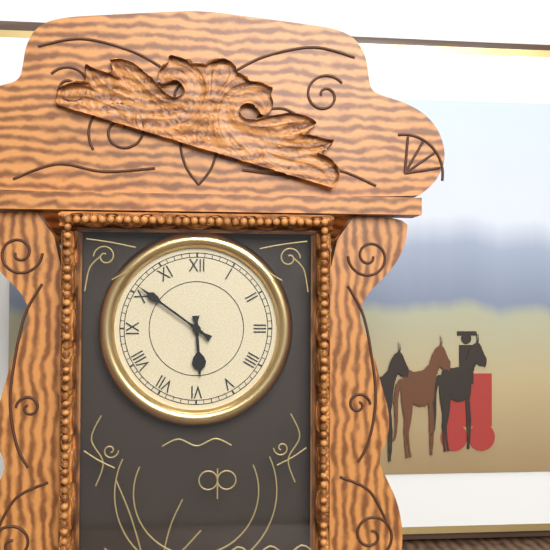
5:51
